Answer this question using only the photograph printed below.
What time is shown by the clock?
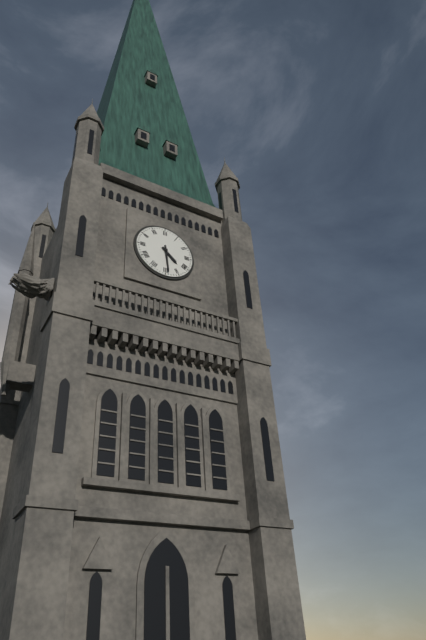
4:29
